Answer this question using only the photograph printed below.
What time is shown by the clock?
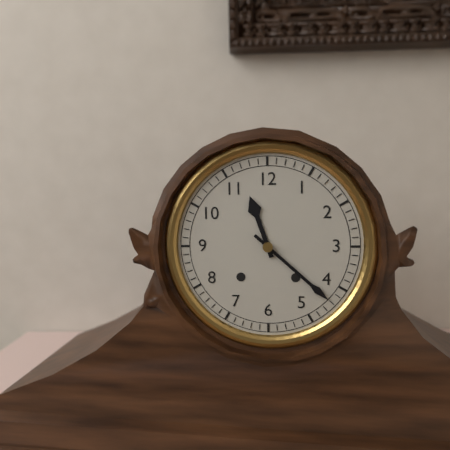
11:22
